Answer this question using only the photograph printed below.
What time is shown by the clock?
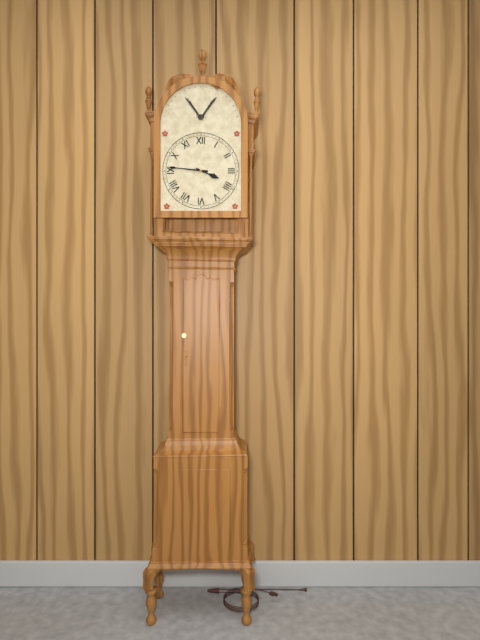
3:46
